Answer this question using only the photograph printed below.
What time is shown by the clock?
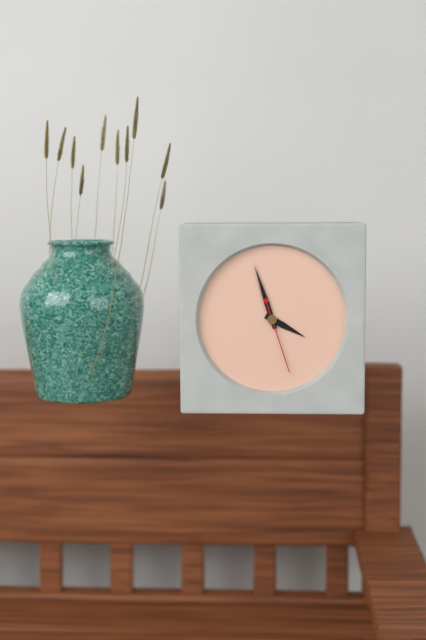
3:57:27
